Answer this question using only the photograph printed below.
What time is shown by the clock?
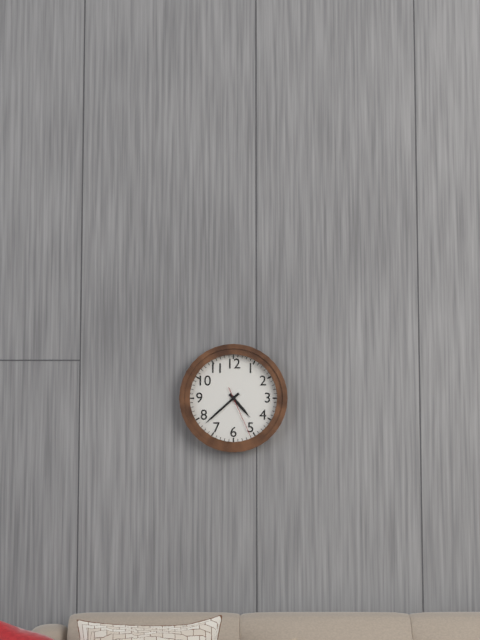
4:38:26
